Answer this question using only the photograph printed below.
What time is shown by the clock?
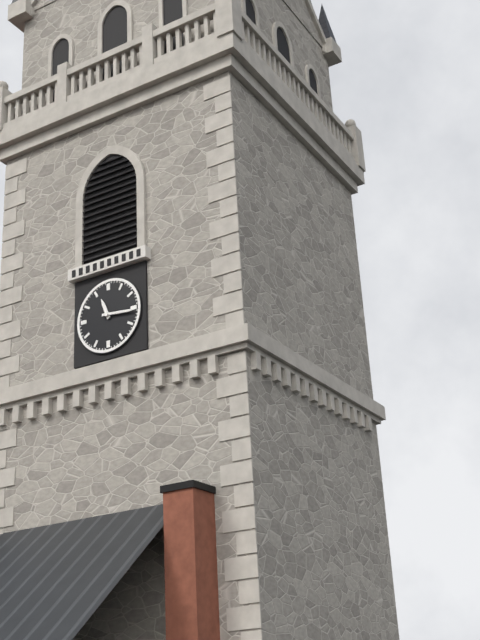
11:16
